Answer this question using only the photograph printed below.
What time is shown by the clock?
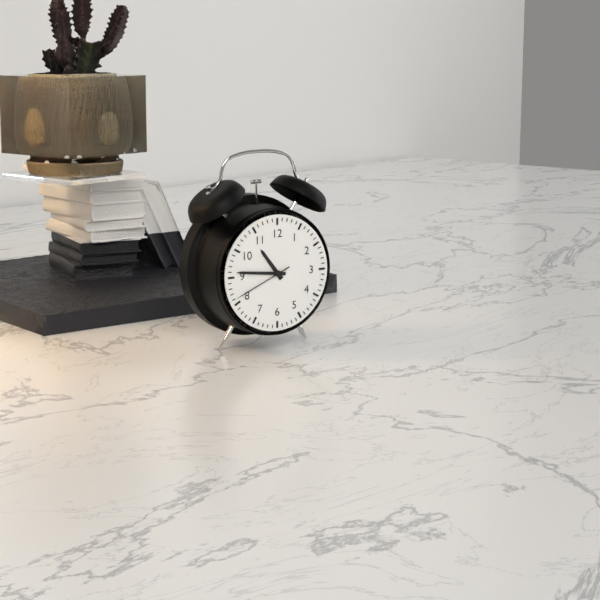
10:46:41
